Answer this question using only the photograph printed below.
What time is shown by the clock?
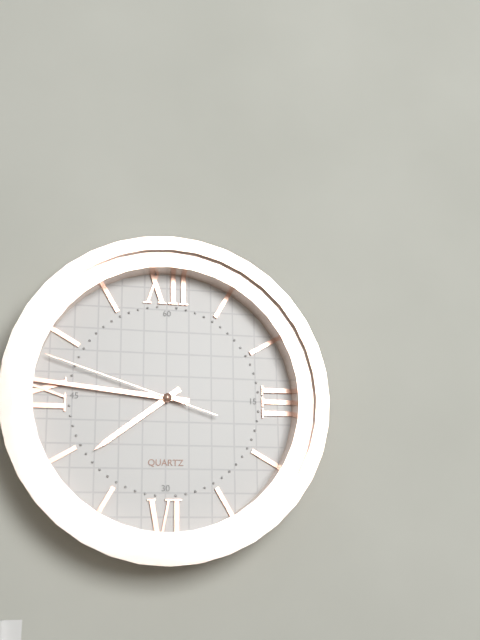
7:46:48
